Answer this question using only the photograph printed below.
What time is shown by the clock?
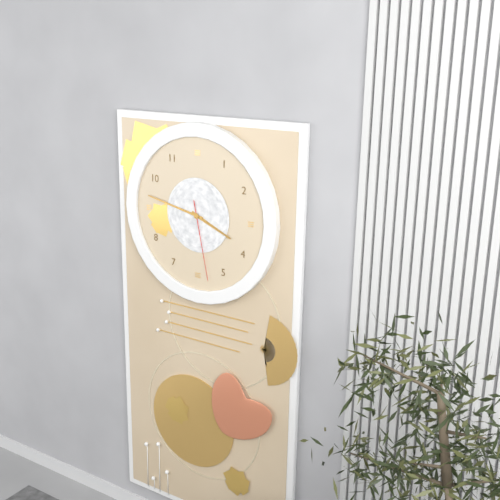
3:47:28
